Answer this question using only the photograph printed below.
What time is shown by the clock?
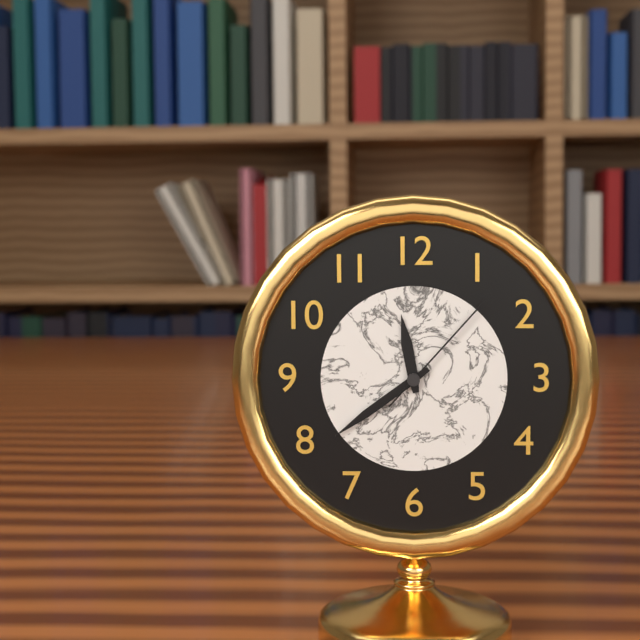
11:39:07
